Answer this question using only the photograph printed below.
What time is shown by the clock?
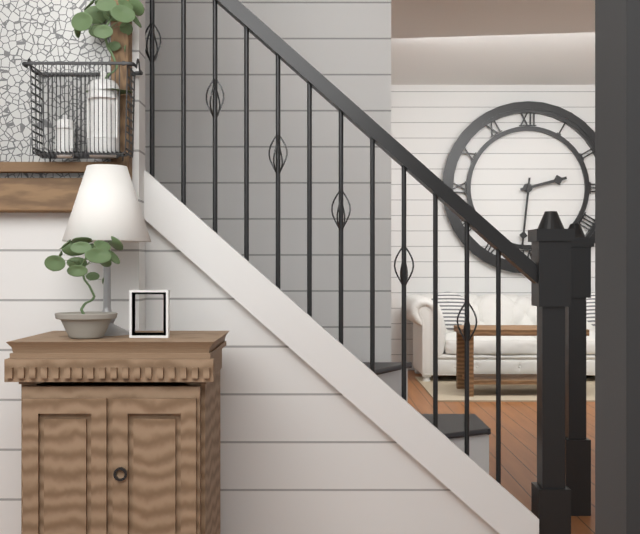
2:31
